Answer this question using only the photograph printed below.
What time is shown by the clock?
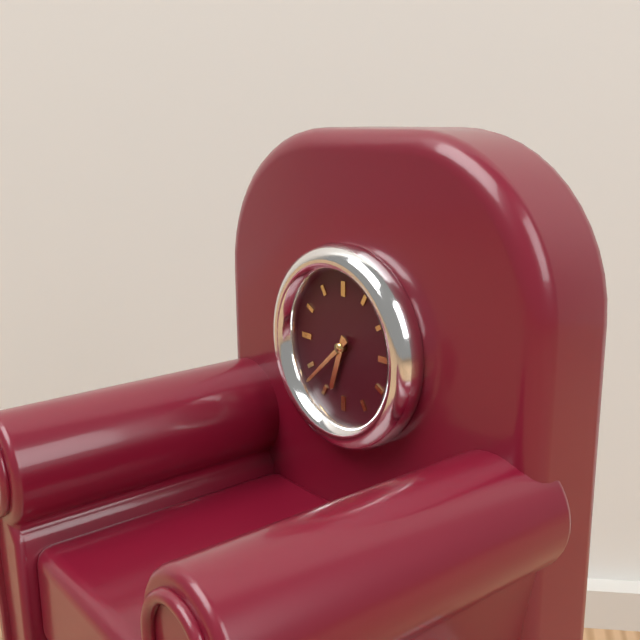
6:38
